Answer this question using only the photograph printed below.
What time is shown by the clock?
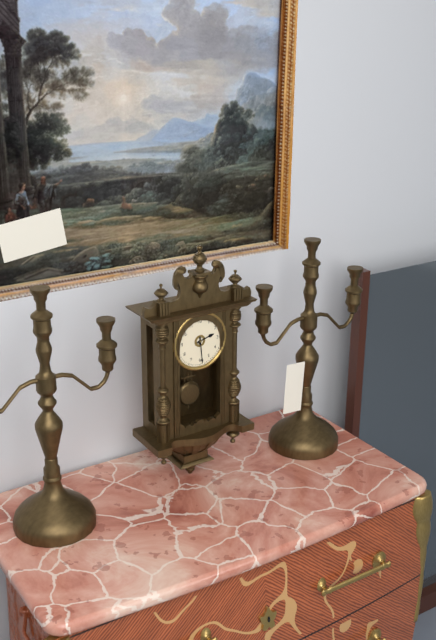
2:29
